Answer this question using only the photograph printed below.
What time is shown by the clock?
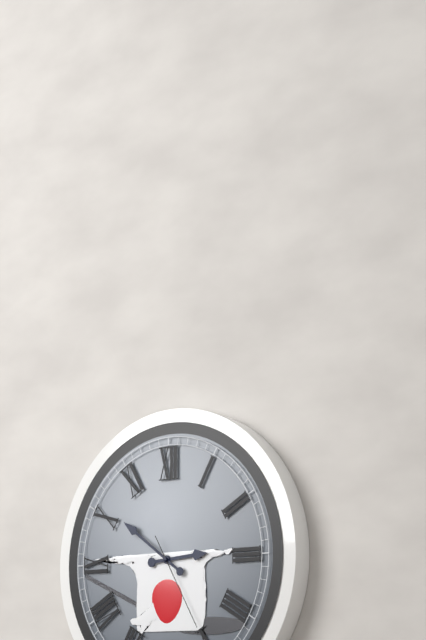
2:51:25
